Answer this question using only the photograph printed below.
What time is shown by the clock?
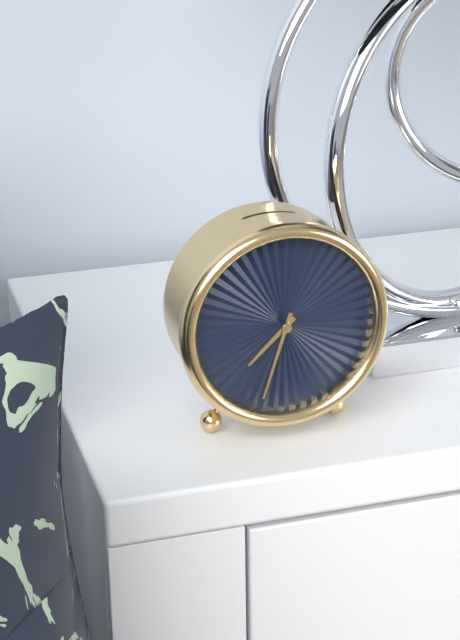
7:33
